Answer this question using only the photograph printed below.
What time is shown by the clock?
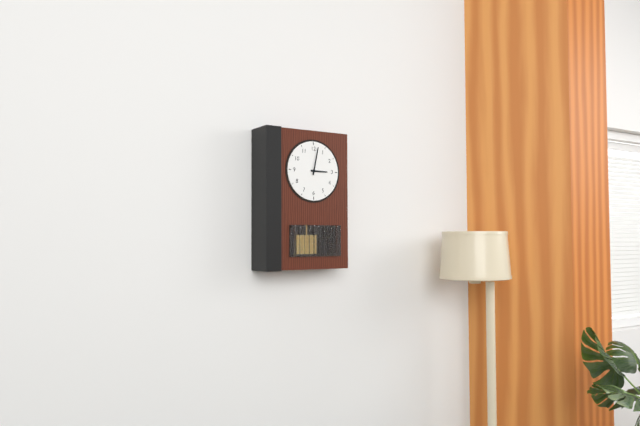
3:02
